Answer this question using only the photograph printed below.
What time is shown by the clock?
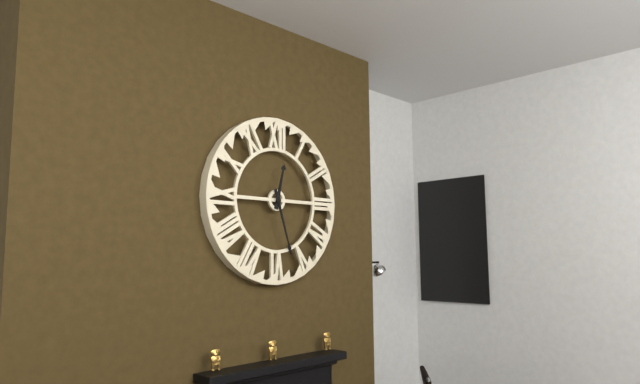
12:27
